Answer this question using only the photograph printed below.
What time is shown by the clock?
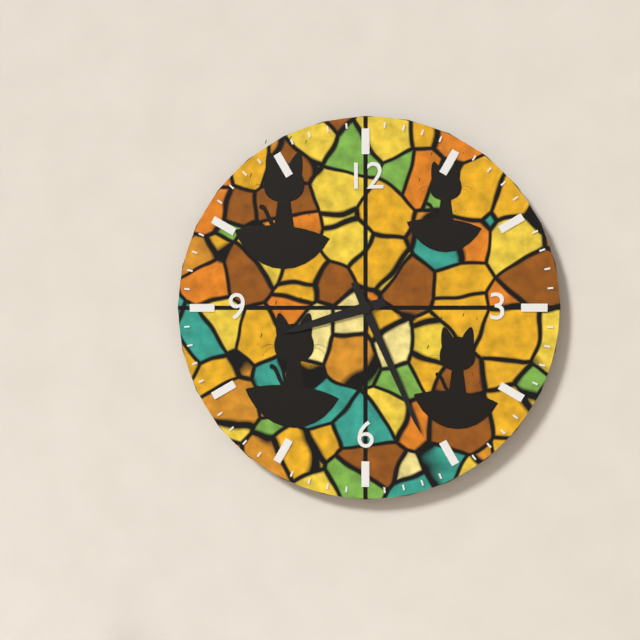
8:26
